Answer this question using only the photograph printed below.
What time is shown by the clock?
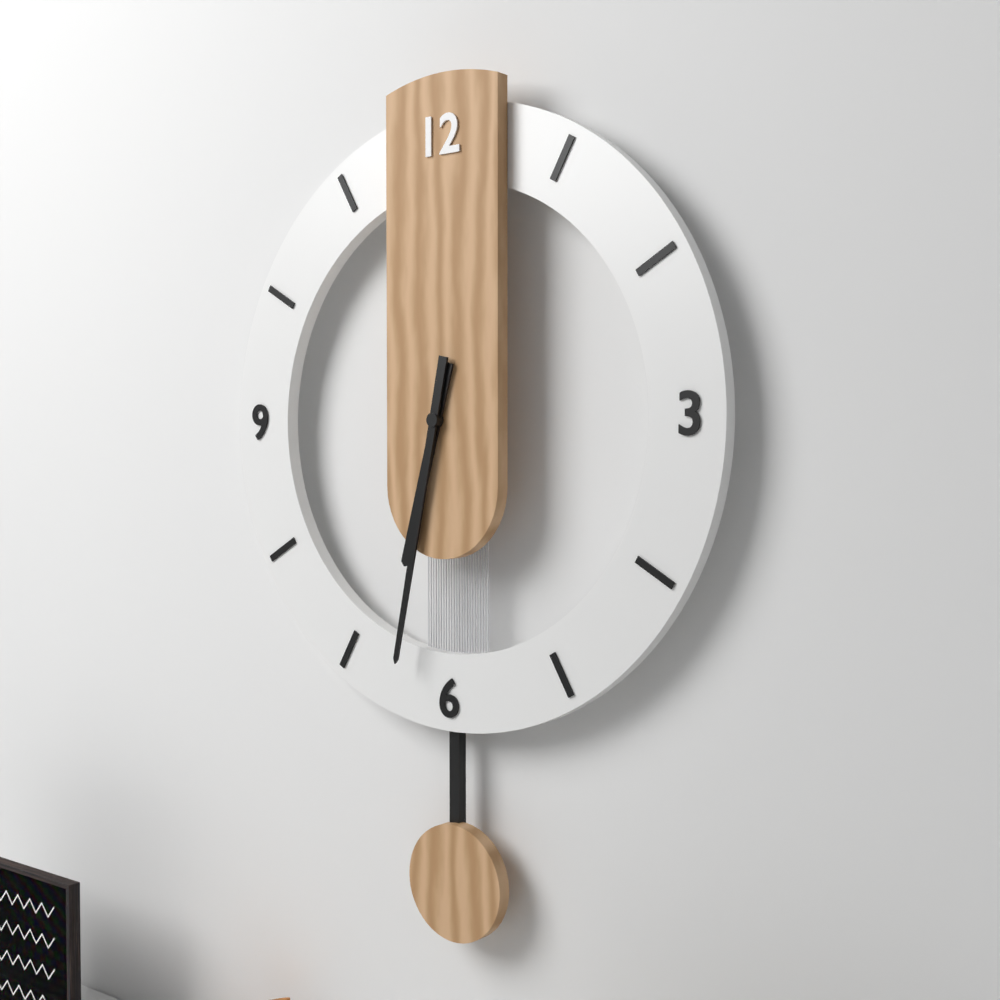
6:32
